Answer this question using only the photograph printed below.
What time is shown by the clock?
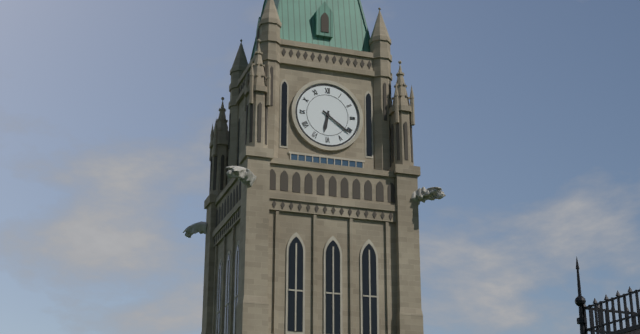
6:21
